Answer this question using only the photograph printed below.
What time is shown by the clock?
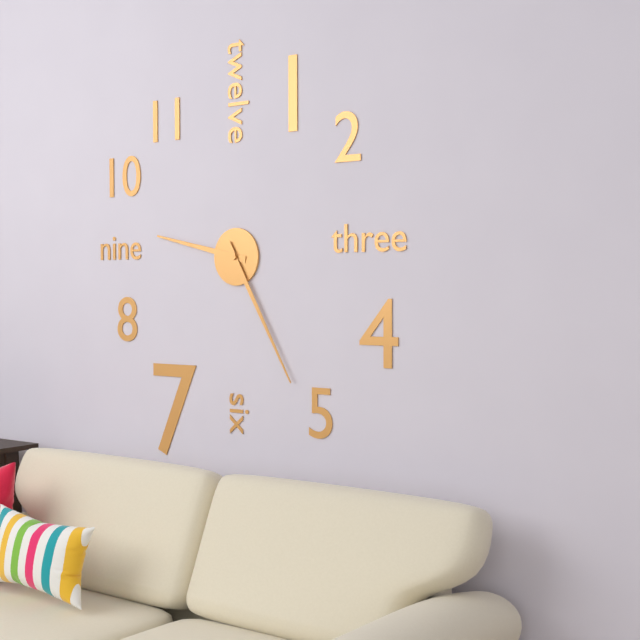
9:25
